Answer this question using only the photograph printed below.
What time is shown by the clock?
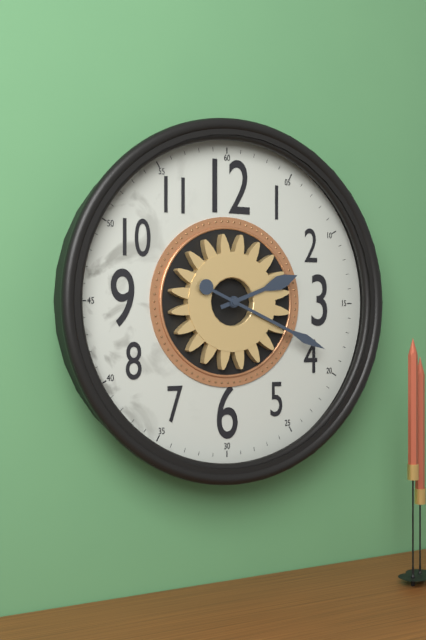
2:19
